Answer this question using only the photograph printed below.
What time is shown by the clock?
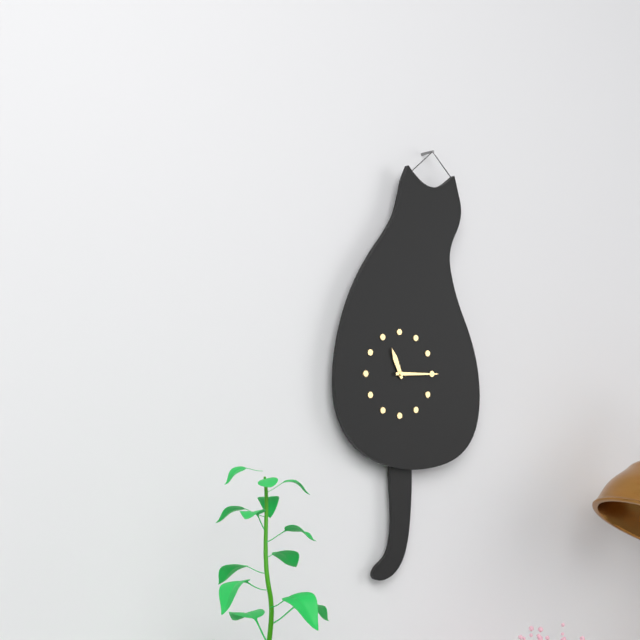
11:15
